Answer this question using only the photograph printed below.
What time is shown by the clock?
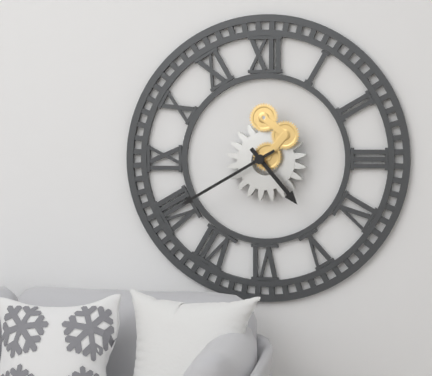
4:40
